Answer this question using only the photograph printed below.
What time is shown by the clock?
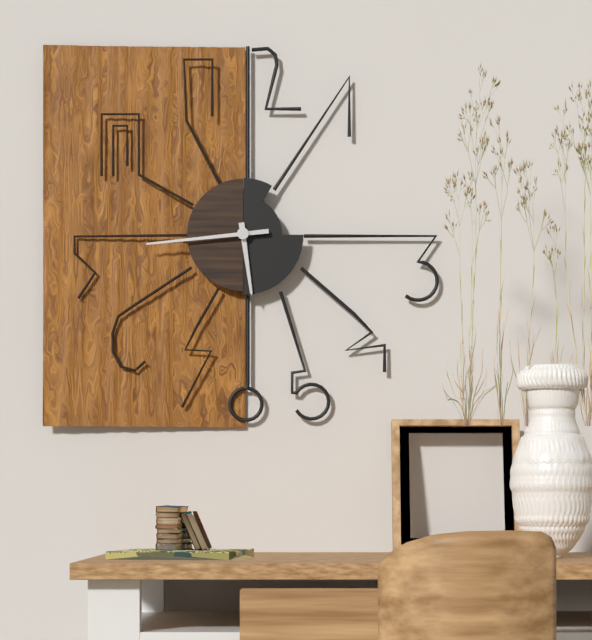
5:44
